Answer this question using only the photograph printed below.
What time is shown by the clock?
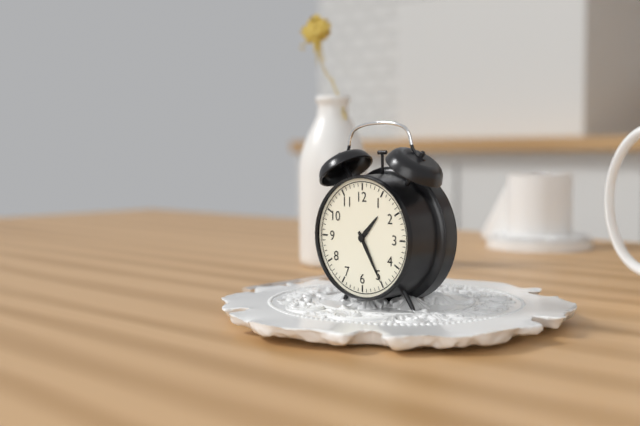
1:25
